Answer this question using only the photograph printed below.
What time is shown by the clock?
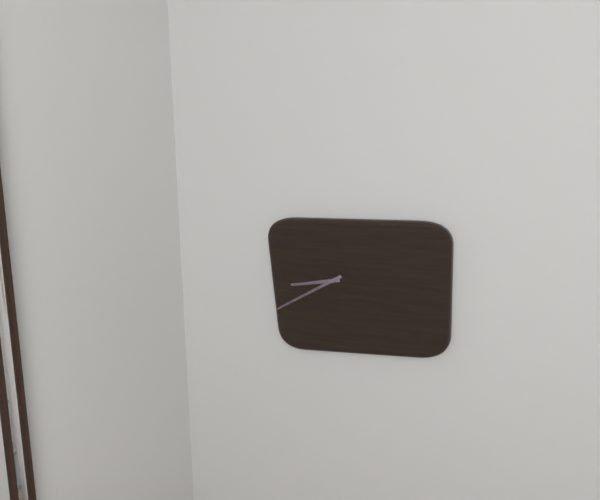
8:40
